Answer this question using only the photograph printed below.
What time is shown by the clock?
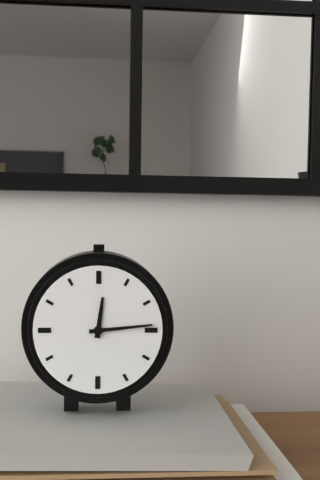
12:14
